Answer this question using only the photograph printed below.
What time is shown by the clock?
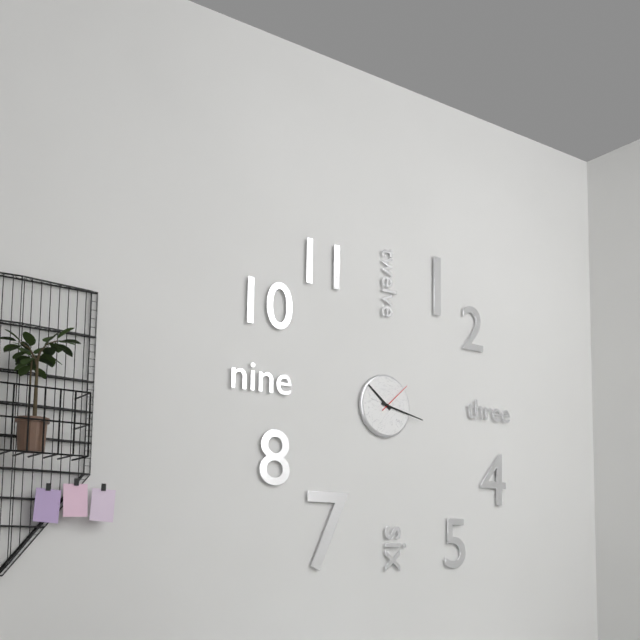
10:17
